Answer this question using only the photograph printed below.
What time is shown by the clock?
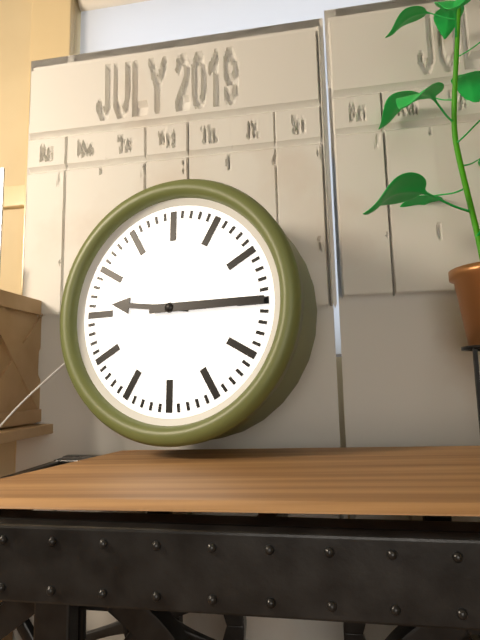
9:15
